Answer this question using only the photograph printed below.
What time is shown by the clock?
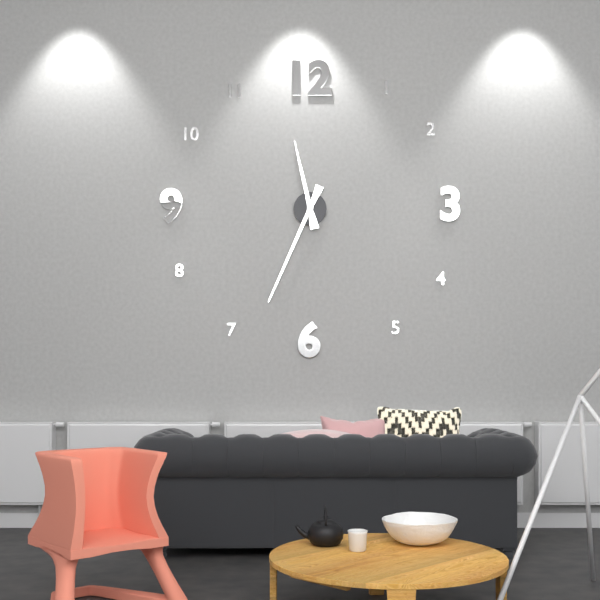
11:34
